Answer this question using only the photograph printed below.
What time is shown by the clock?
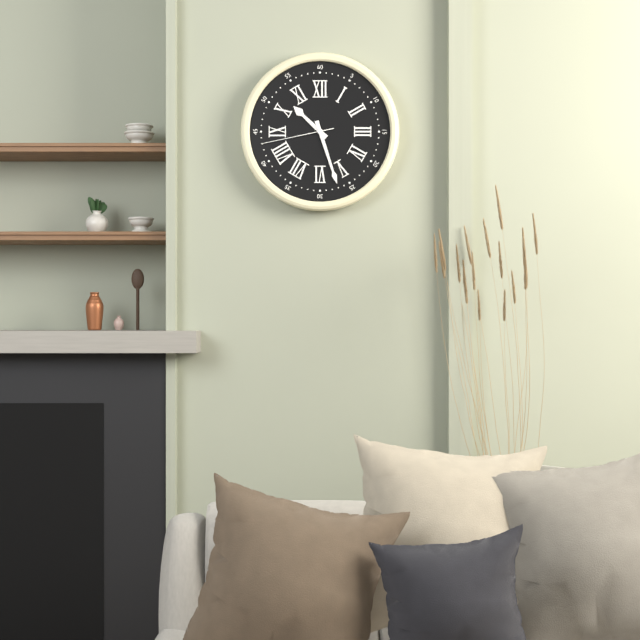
10:27:43
